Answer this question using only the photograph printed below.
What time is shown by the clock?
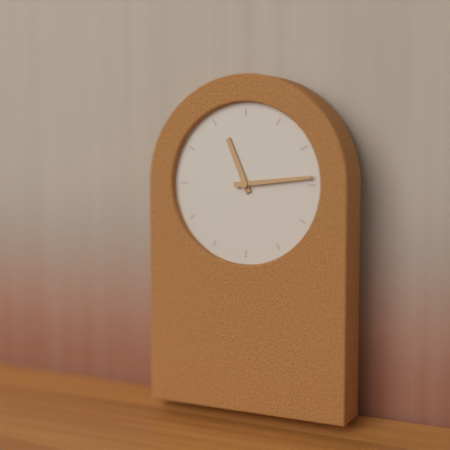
11:14
